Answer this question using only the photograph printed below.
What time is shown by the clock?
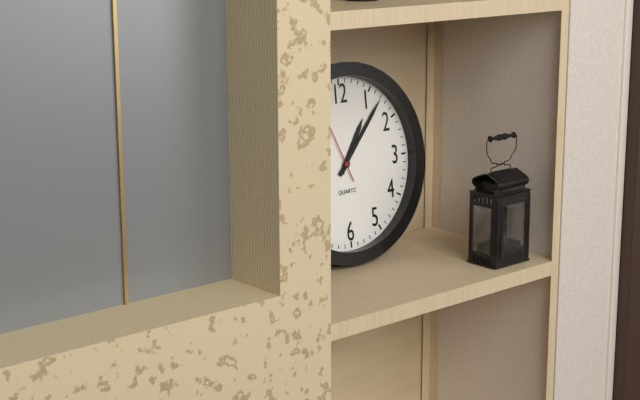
1:07
